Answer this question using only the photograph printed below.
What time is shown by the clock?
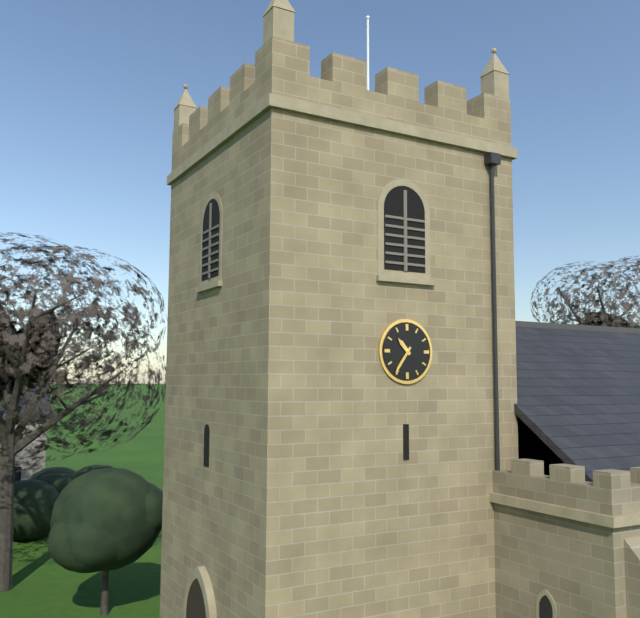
10:36
